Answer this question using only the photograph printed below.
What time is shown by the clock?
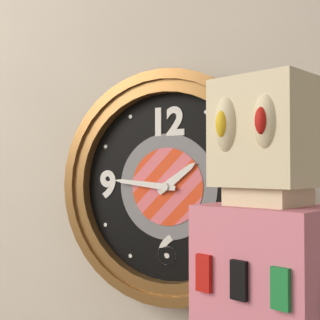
1:46
